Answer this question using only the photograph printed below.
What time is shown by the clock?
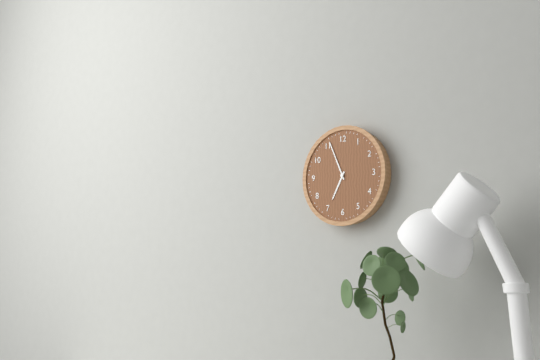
6:56
